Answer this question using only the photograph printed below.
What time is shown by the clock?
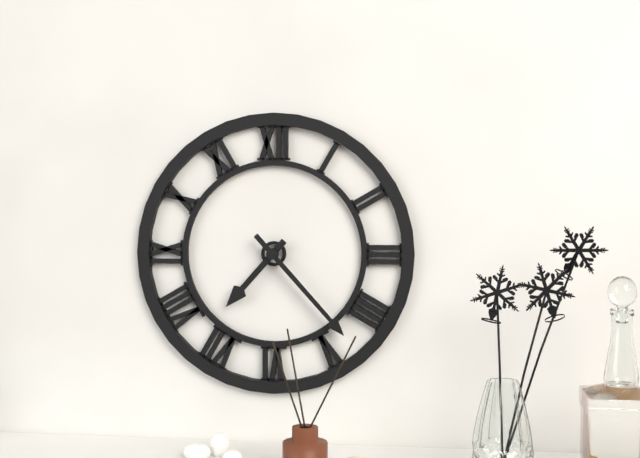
7:23
